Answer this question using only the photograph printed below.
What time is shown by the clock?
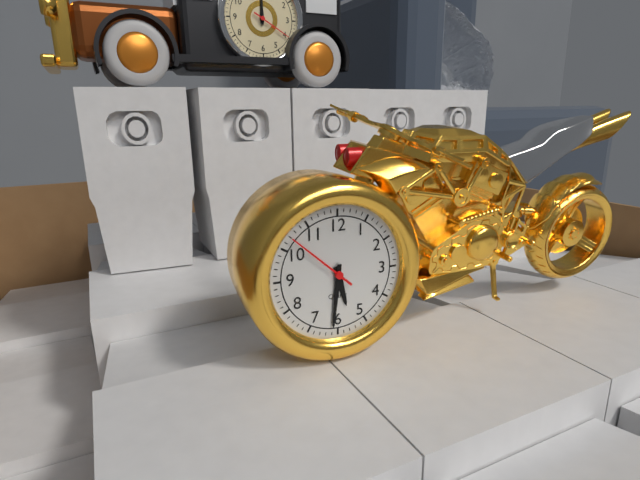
5:31:52
